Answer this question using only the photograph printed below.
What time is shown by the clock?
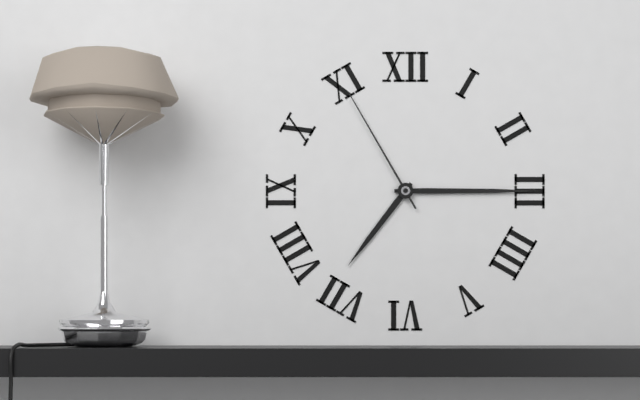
7:15:55
